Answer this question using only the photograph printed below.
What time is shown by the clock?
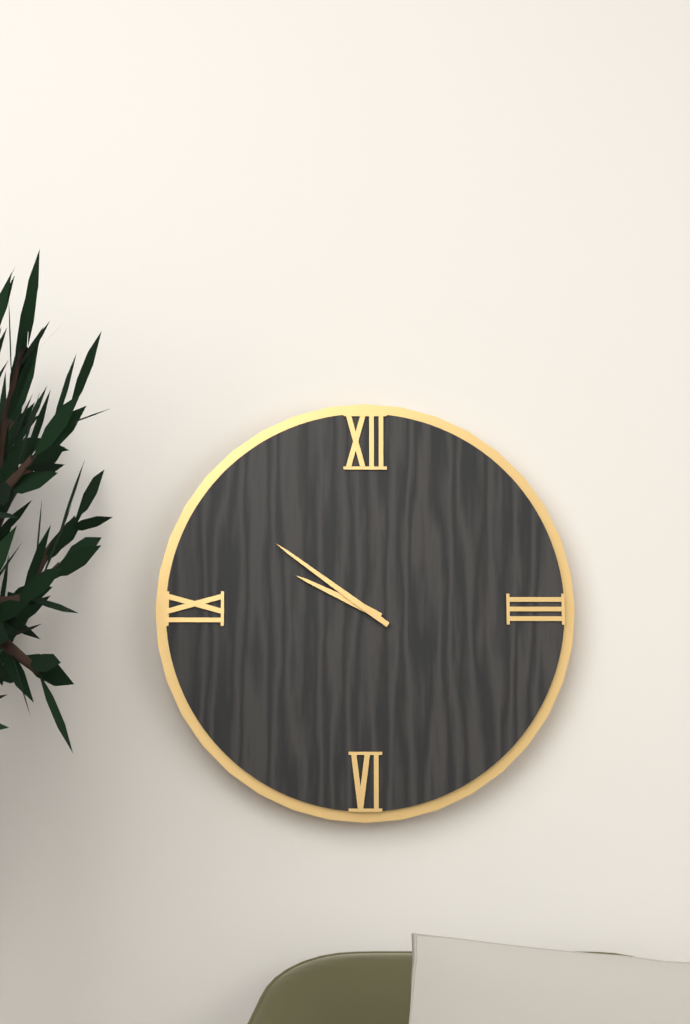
9:51
